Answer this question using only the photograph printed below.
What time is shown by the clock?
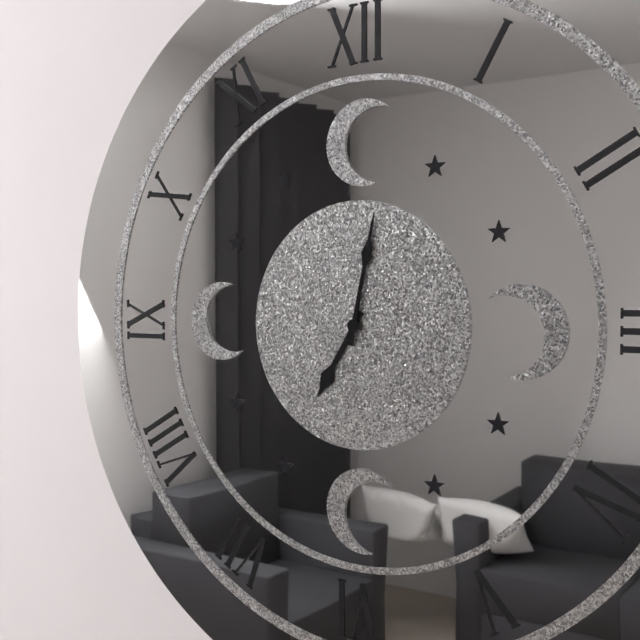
7:02
